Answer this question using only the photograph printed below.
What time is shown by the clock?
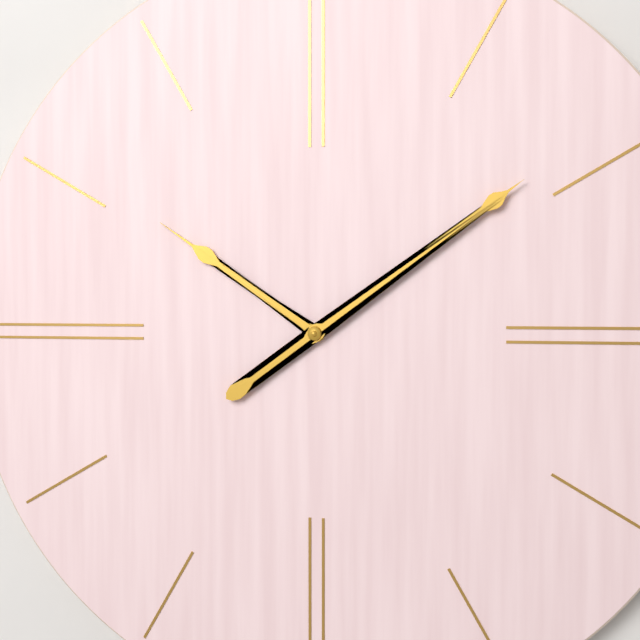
10:09
